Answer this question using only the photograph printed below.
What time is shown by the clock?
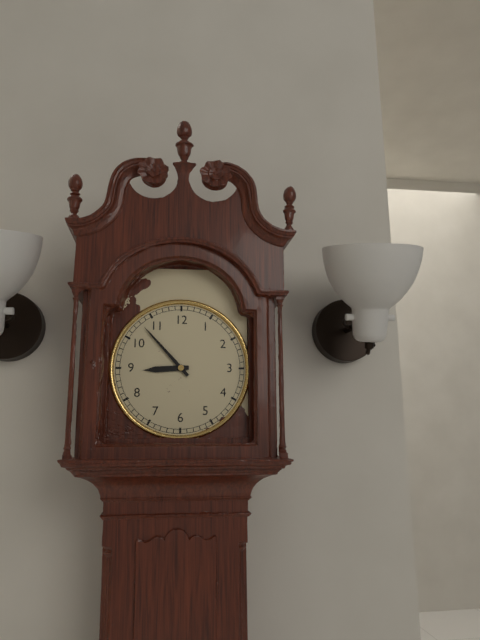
8:53
